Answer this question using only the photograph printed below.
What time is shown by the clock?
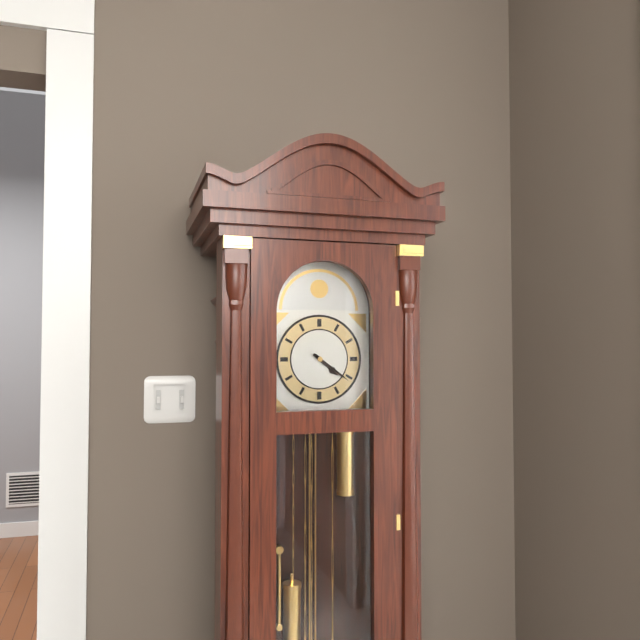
4:21
